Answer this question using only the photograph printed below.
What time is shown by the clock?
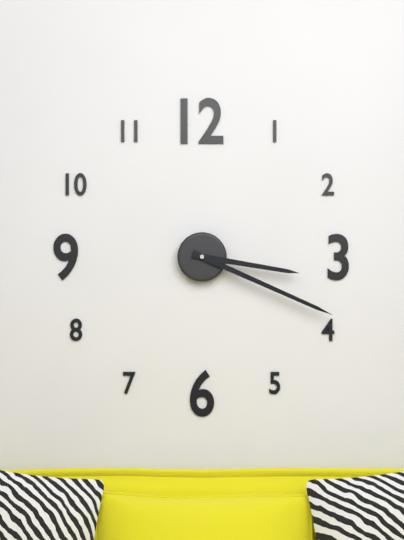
3:19
